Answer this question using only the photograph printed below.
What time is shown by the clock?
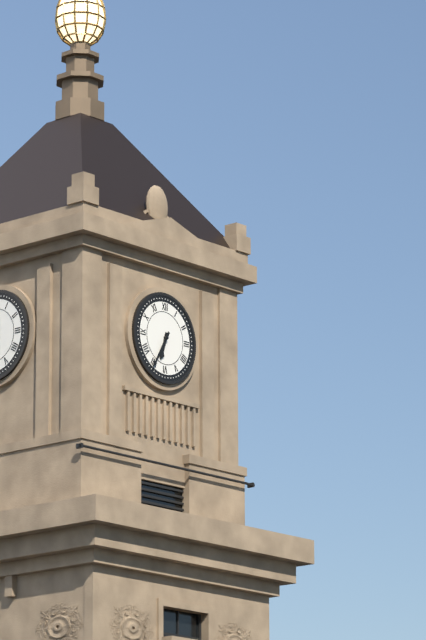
6:35
